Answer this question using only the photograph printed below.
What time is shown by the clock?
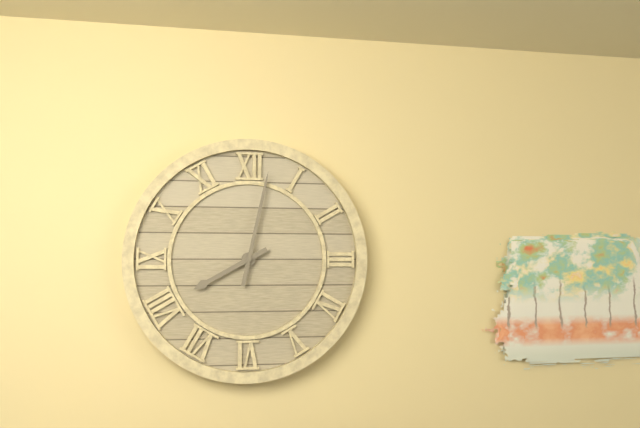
8:02
